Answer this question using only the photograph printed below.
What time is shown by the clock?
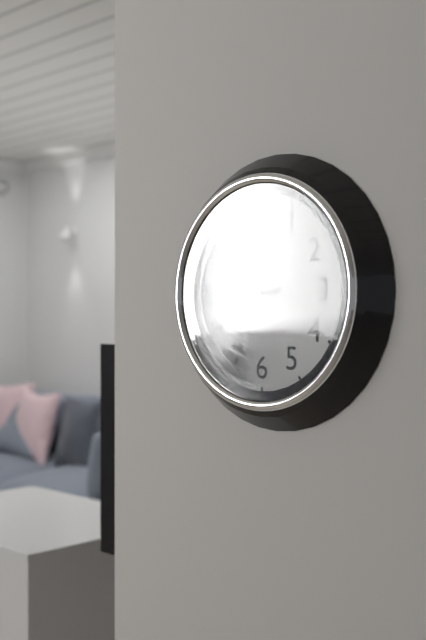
9:44
